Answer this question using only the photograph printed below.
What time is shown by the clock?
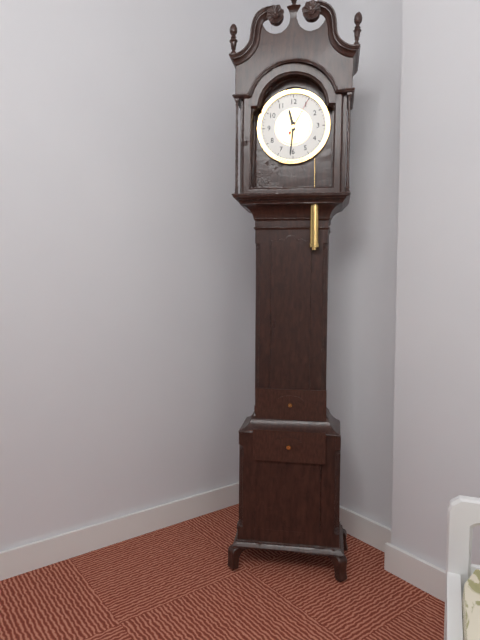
11:31
